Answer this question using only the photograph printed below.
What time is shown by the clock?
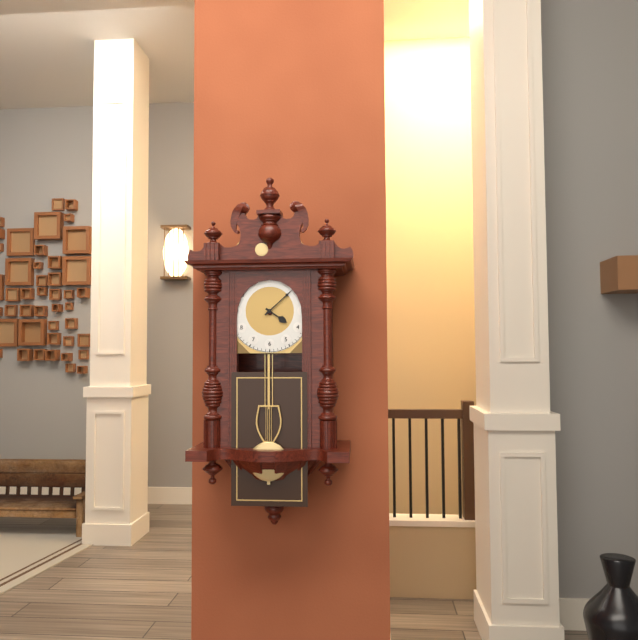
4:08
